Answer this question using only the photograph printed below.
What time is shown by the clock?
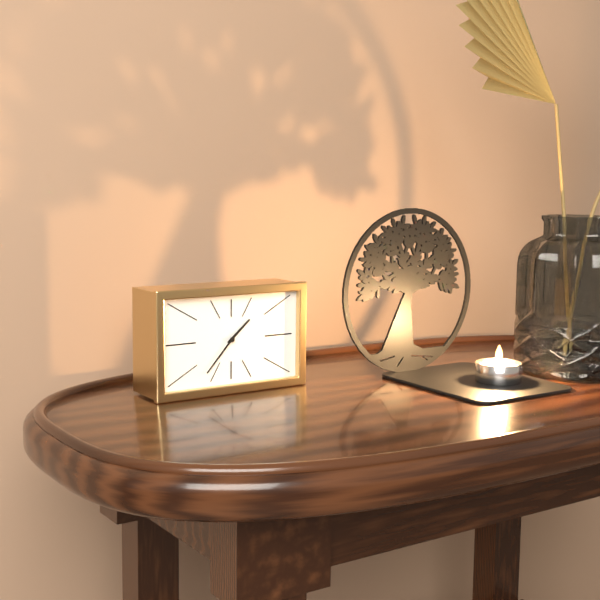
1:37
